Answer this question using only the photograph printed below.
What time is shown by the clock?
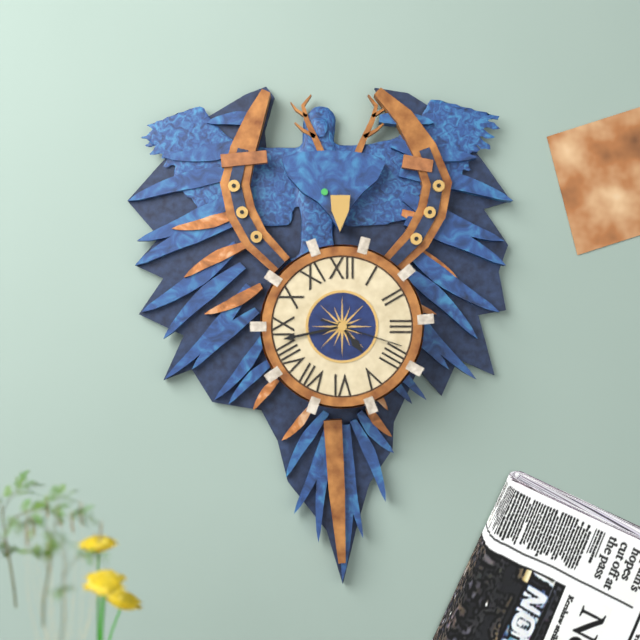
4:43:18
